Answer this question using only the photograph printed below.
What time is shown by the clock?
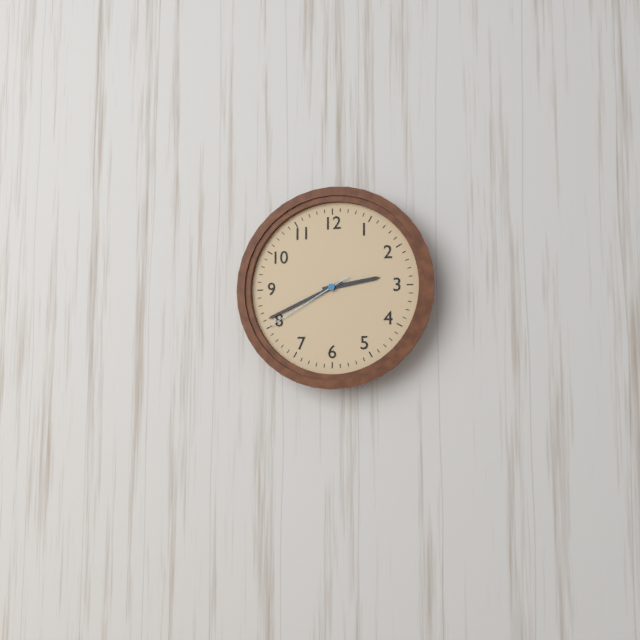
2:41:40
